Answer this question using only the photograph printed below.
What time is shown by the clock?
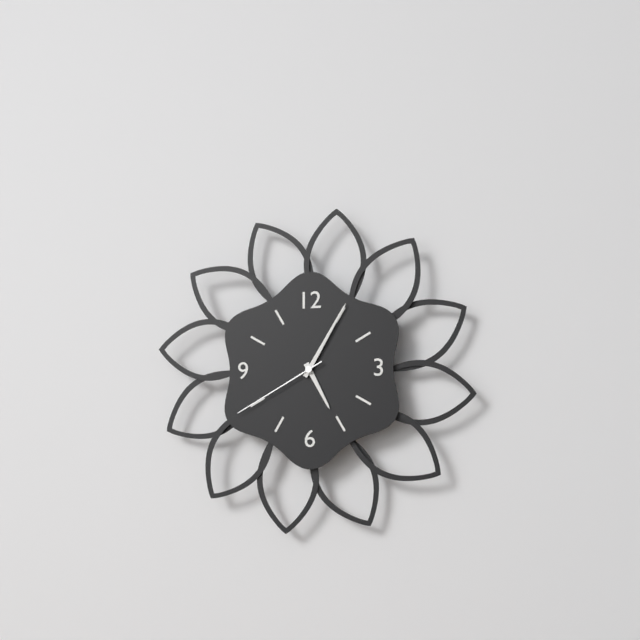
5:05:40
